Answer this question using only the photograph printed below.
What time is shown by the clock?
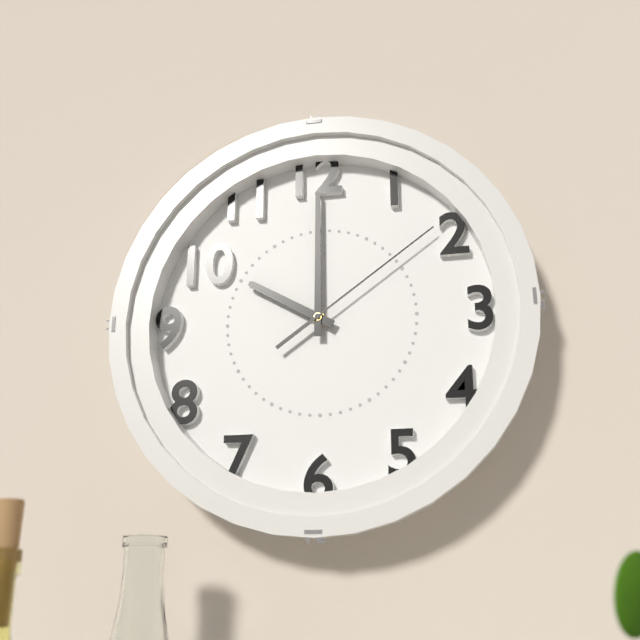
10:00:09
